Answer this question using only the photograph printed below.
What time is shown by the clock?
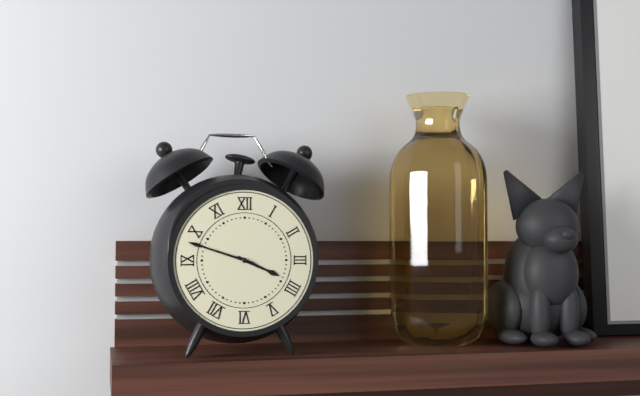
3:48
